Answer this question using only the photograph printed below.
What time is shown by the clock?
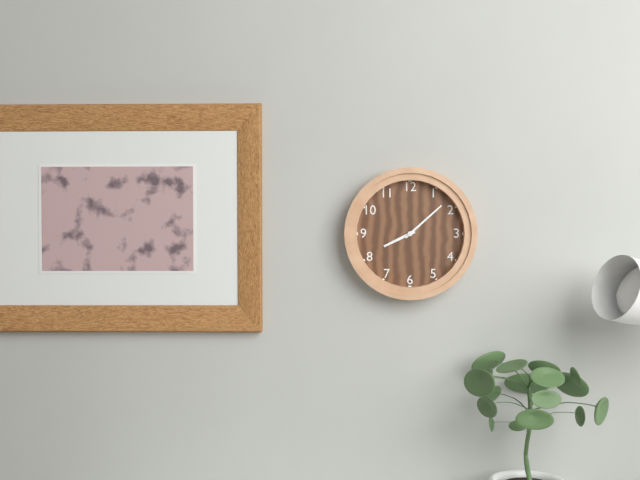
8:08
